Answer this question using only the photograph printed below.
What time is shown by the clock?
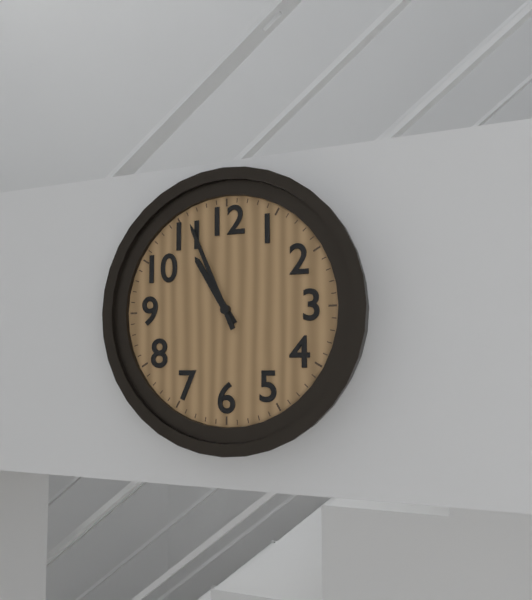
10:56
